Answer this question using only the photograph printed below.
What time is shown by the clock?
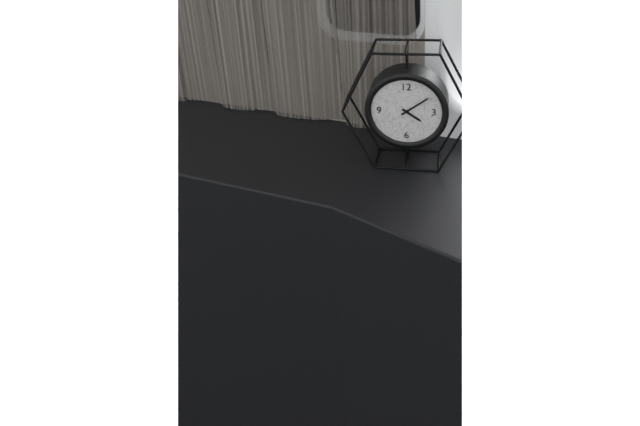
4:09
